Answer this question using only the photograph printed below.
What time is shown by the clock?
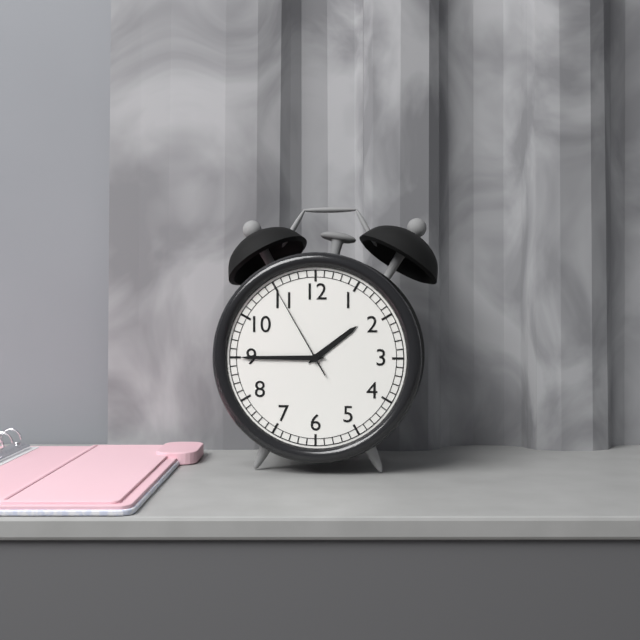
1:45:55
